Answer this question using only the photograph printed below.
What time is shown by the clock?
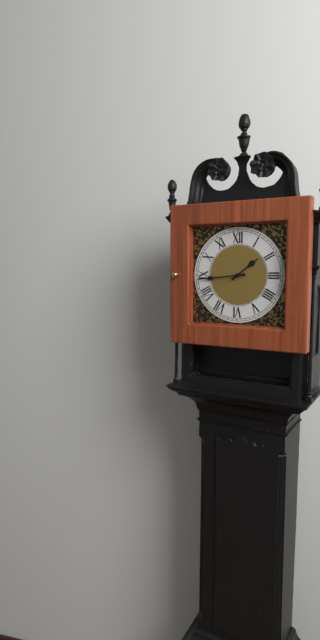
1:44
